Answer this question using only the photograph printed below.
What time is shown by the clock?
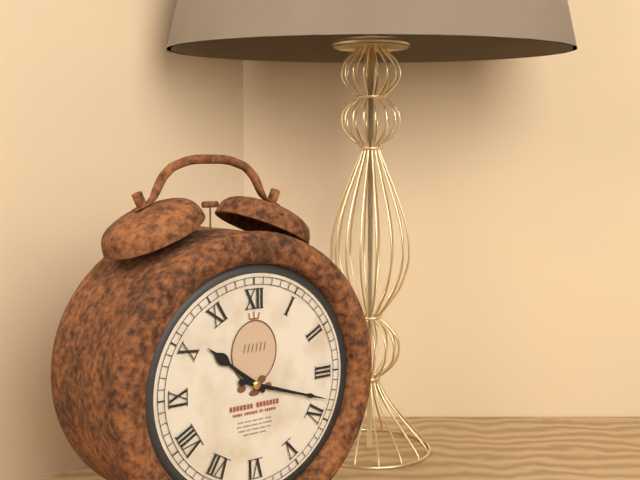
10:18
